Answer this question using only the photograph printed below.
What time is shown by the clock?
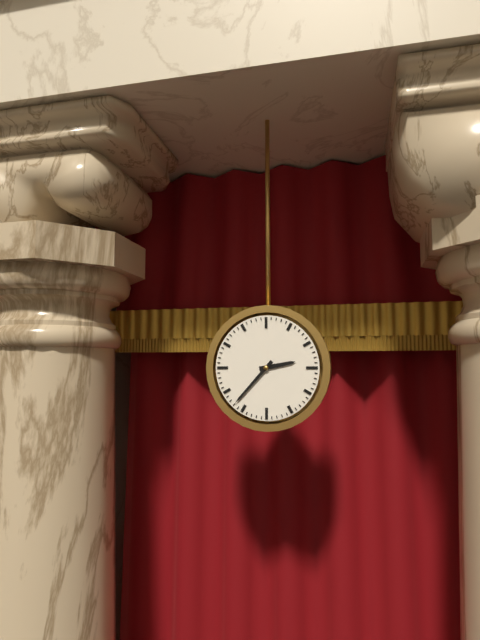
2:37
